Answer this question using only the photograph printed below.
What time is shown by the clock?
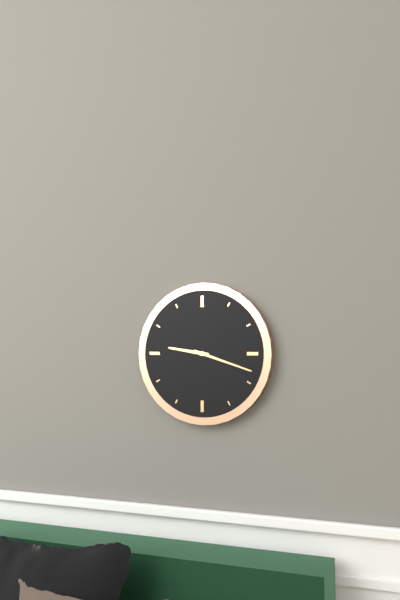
9:18
